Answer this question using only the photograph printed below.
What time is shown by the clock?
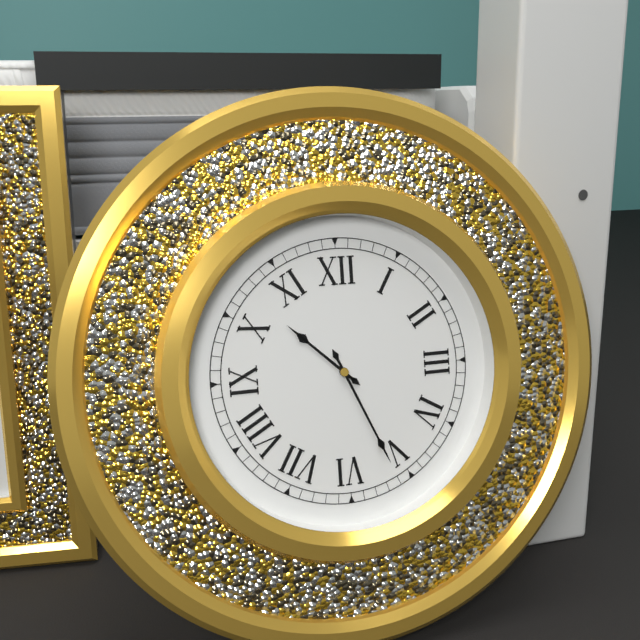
10:26
